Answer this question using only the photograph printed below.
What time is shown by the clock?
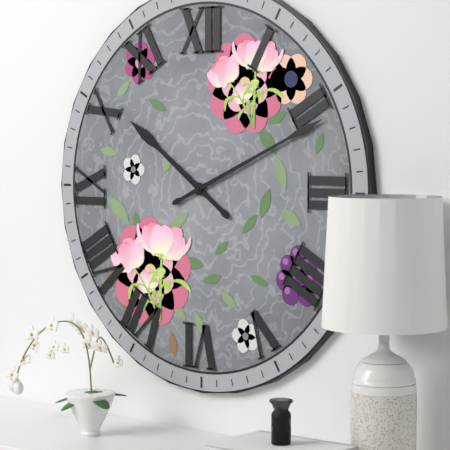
10:11
